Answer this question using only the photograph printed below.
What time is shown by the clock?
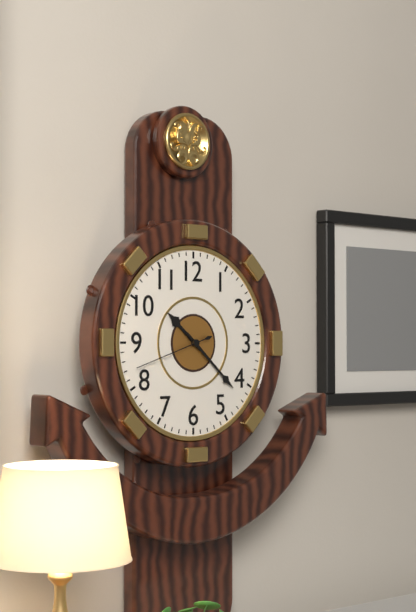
10:22:42
